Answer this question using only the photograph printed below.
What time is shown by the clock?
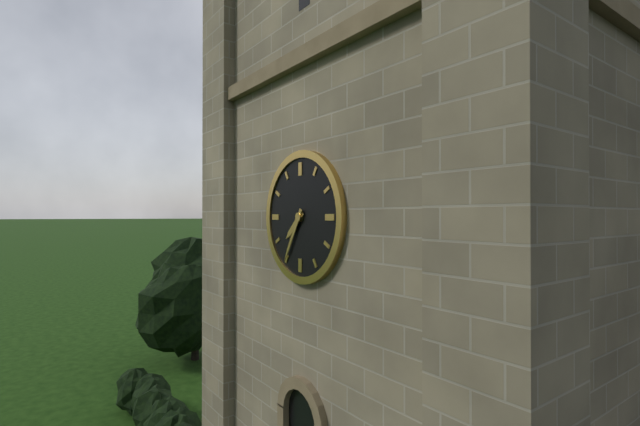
7:35
